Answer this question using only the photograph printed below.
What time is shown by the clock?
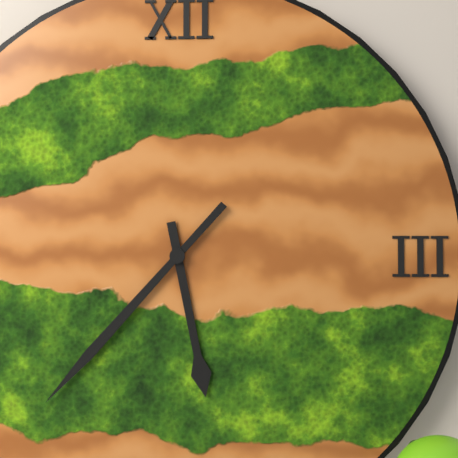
5:37
